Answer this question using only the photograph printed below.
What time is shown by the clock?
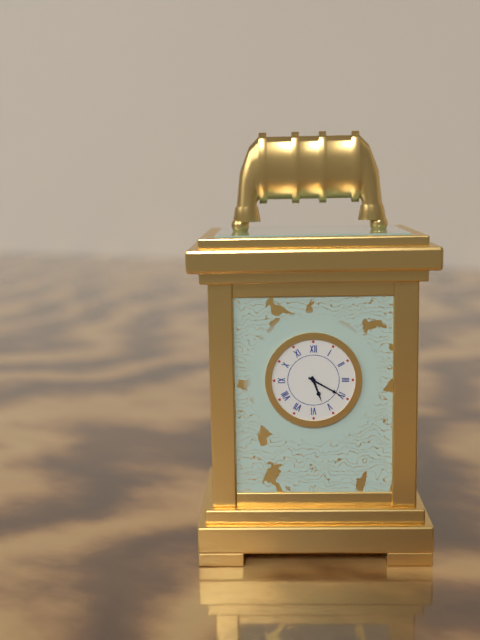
5:20
